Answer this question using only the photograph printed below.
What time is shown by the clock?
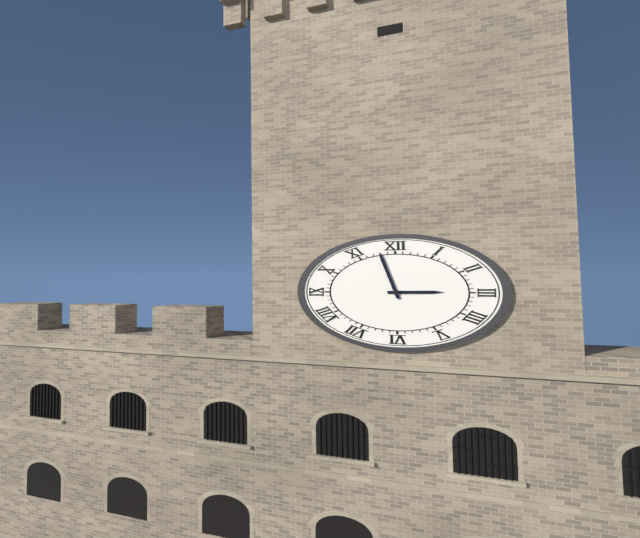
2:58
